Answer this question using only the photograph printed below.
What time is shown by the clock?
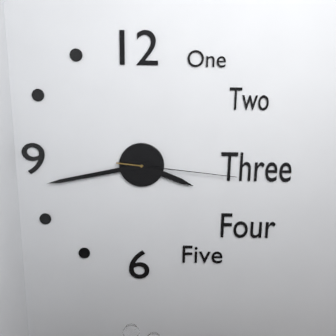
3:43:16
